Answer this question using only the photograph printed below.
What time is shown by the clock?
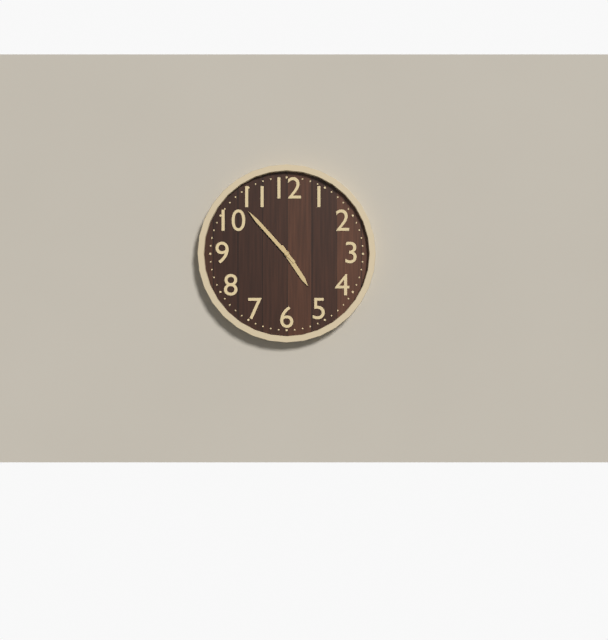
4:53
